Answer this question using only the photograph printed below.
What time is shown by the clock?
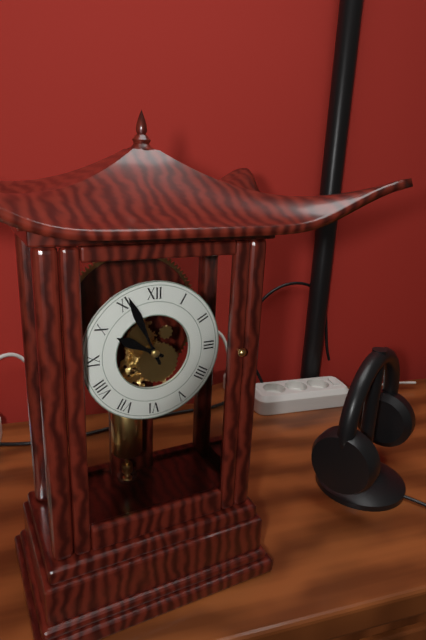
9:56
